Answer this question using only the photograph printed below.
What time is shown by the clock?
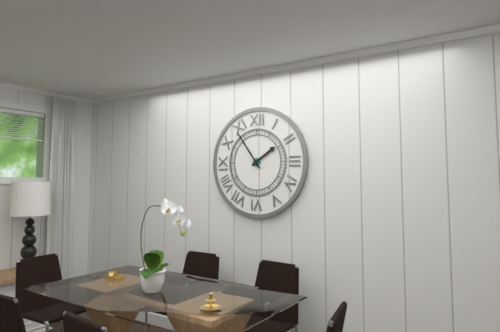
1:54
